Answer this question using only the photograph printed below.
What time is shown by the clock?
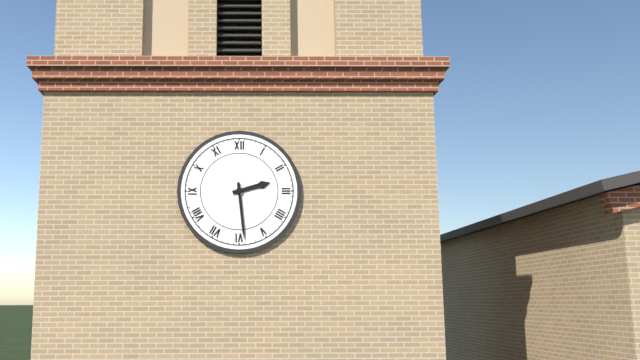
2:29
